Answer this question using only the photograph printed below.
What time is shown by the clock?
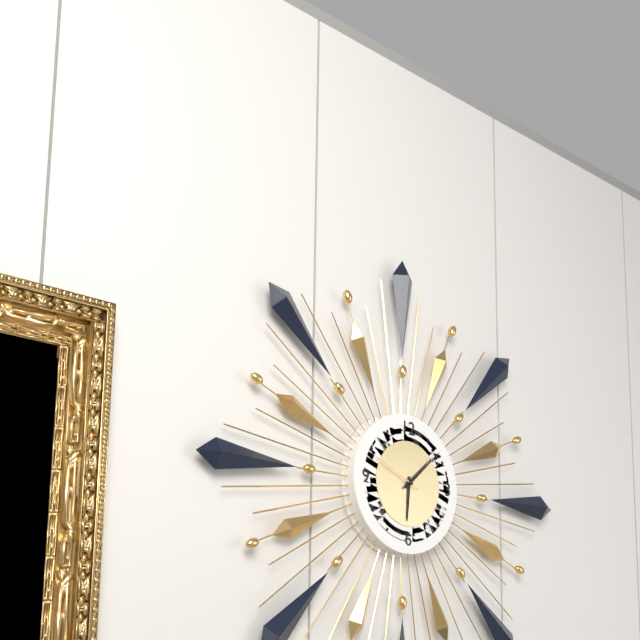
6:08:49
